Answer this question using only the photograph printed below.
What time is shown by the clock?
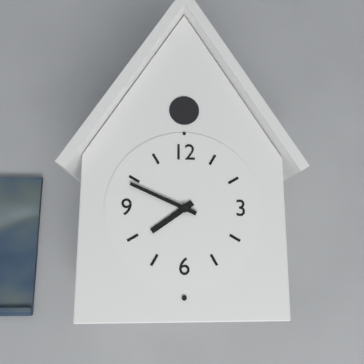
7:49
